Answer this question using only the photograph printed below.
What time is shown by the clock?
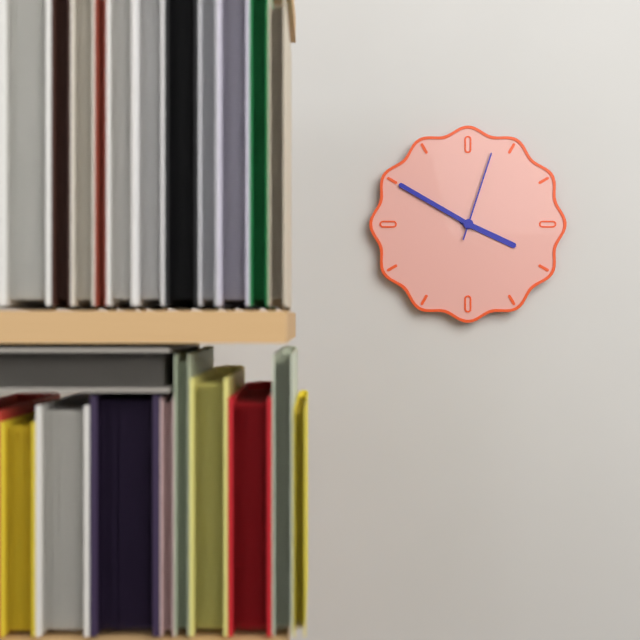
3:50:03
